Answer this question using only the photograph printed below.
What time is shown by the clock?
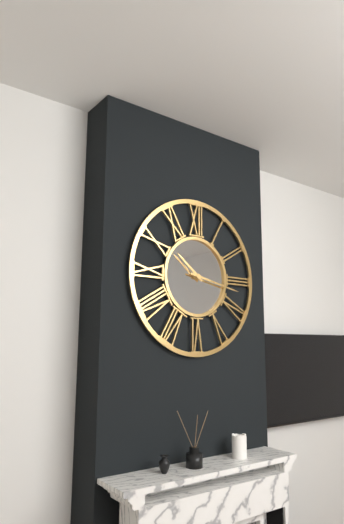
10:17
